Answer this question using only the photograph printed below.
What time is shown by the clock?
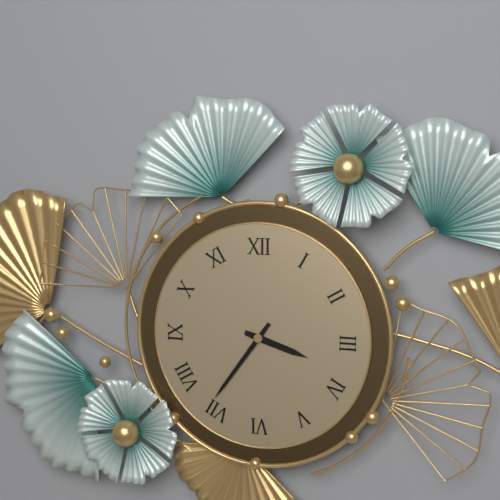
3:36
